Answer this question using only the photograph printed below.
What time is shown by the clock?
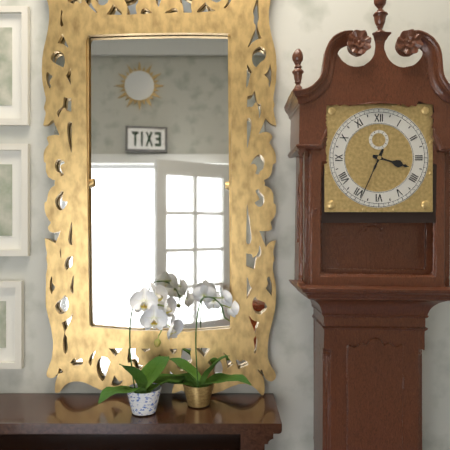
3:34
